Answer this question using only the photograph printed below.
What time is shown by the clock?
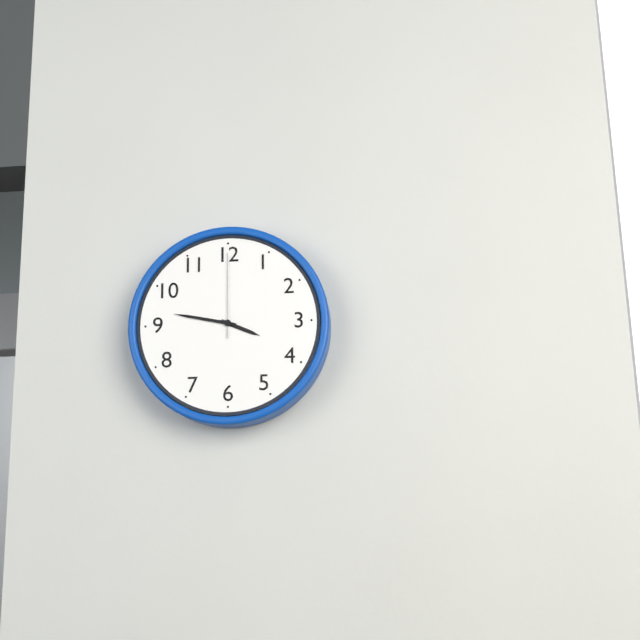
3:47:00
